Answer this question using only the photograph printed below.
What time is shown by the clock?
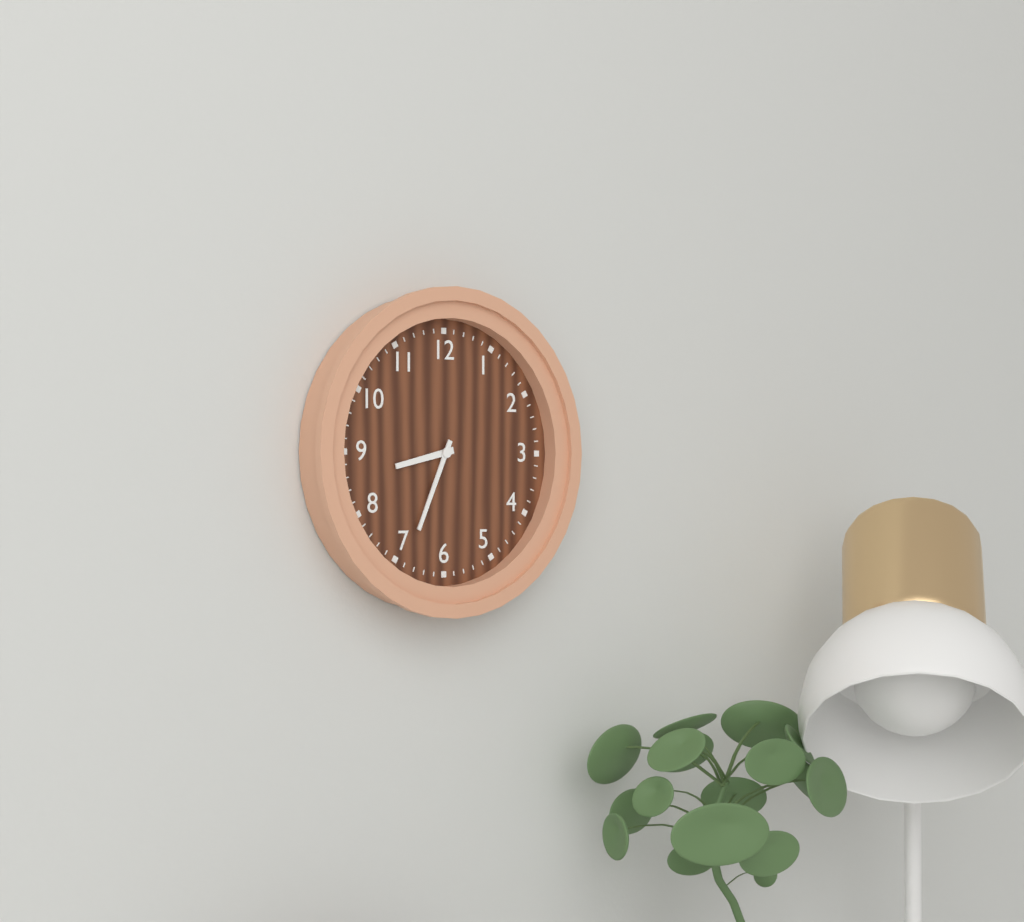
8:34
